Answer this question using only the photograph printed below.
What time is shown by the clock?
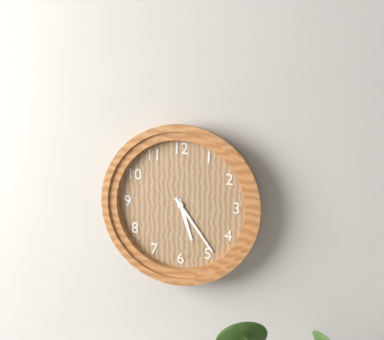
5:24
